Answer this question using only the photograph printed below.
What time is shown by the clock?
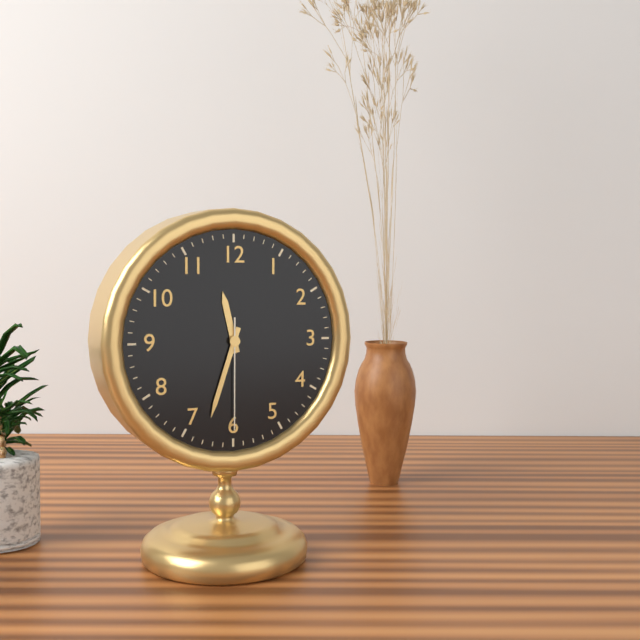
11:33:30
